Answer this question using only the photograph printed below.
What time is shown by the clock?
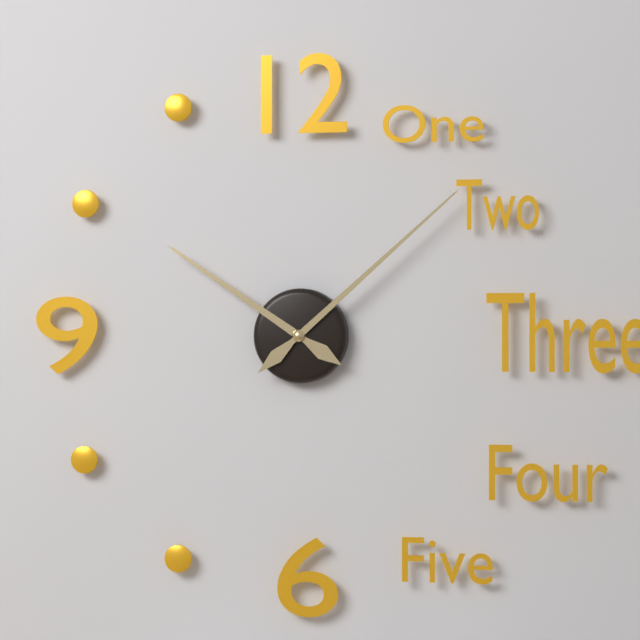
10:08
